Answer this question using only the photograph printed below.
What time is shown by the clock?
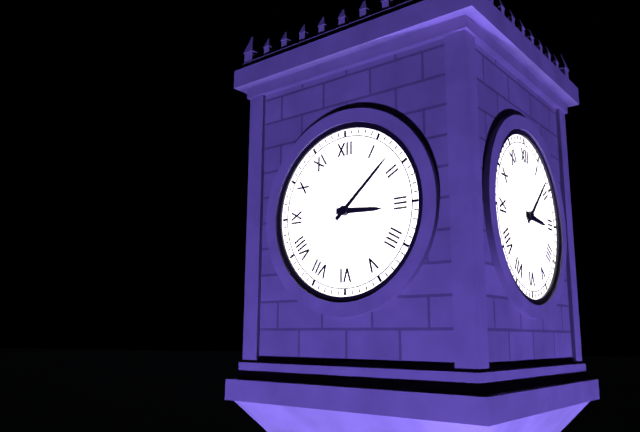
3:08
